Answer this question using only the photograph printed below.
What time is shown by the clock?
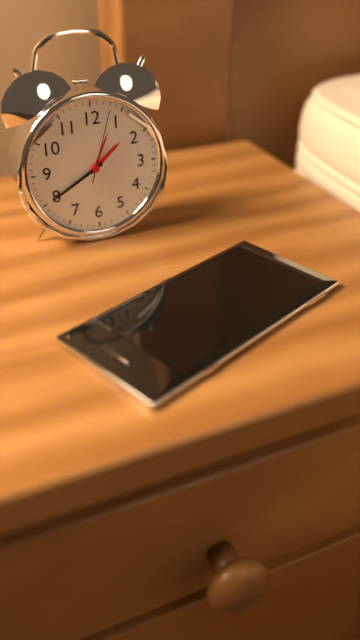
1:40:03
